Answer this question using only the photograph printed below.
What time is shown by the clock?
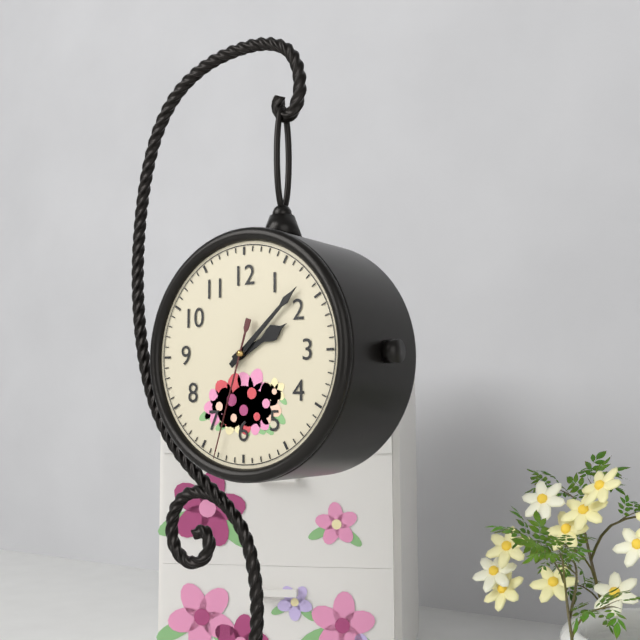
2:08:33
